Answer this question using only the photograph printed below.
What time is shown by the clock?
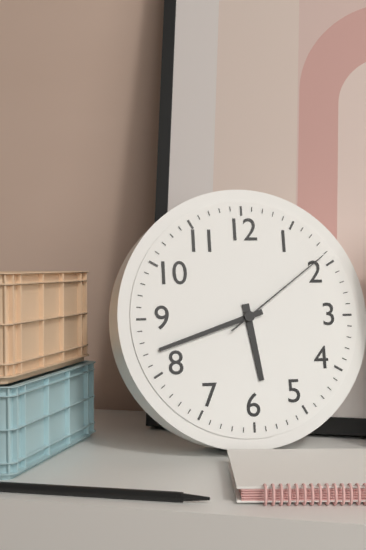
5:42:09
